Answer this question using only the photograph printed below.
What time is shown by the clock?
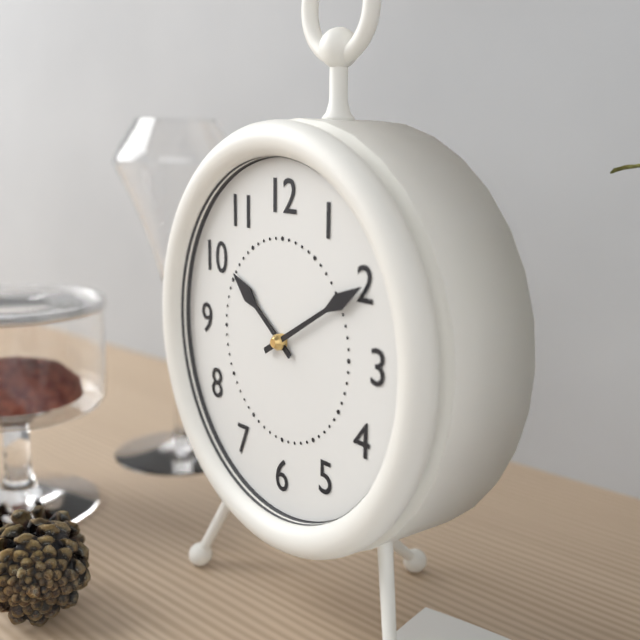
10:10
